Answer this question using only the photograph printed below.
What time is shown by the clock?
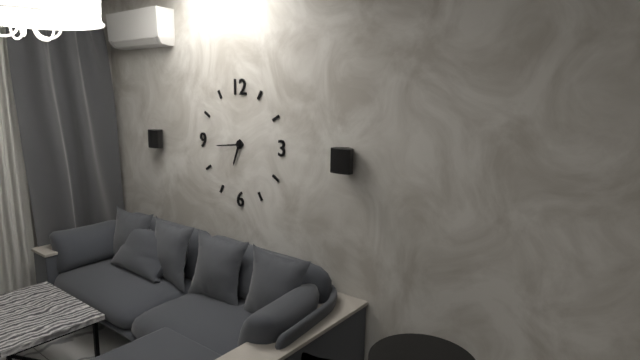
6:44
